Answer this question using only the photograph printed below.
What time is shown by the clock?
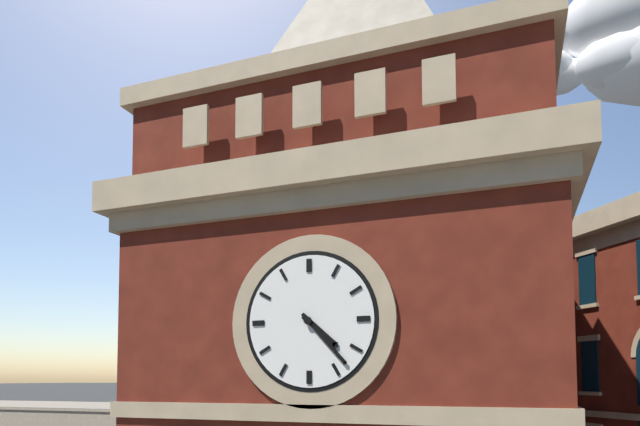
4:23
